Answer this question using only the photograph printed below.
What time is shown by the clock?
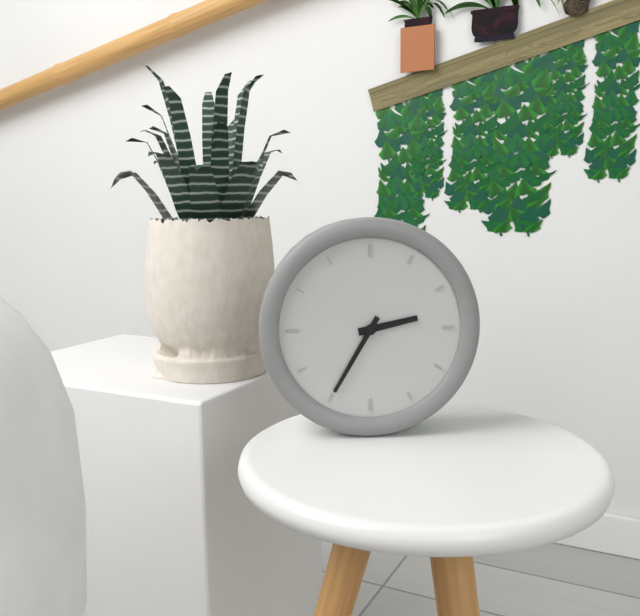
2:35
